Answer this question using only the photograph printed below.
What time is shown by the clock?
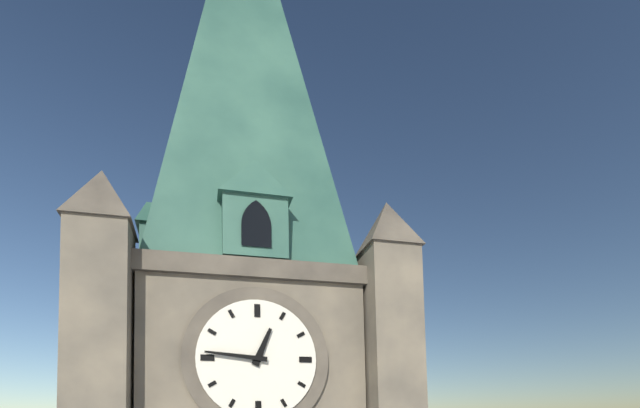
12:46
